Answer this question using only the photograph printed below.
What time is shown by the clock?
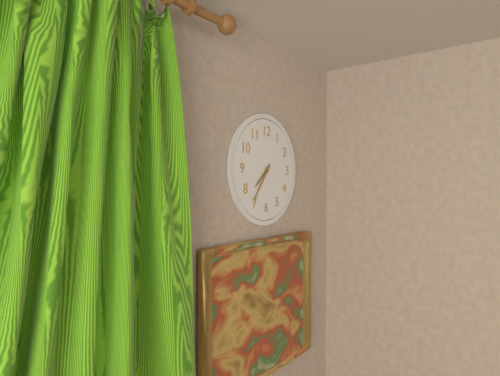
7:36
